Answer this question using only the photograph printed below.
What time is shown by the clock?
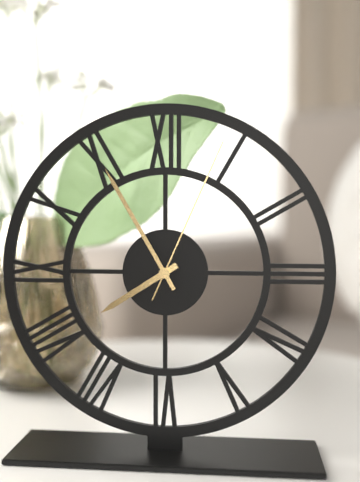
7:55:04
